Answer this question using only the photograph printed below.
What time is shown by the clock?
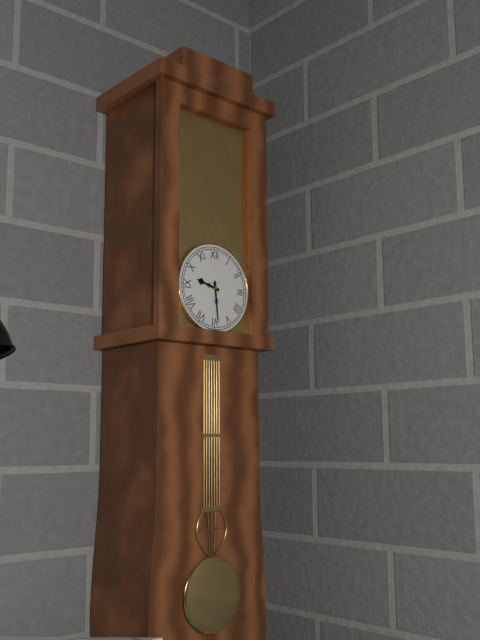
9:29
